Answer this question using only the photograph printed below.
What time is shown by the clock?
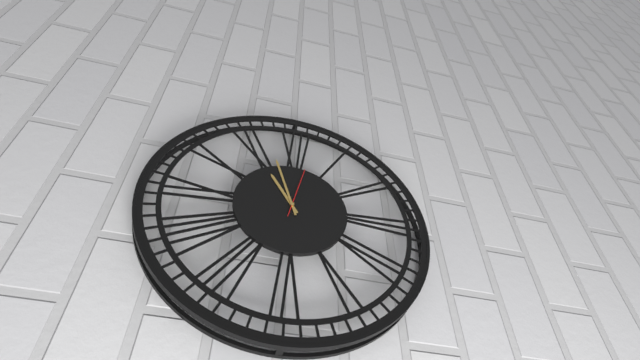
10:57:02
